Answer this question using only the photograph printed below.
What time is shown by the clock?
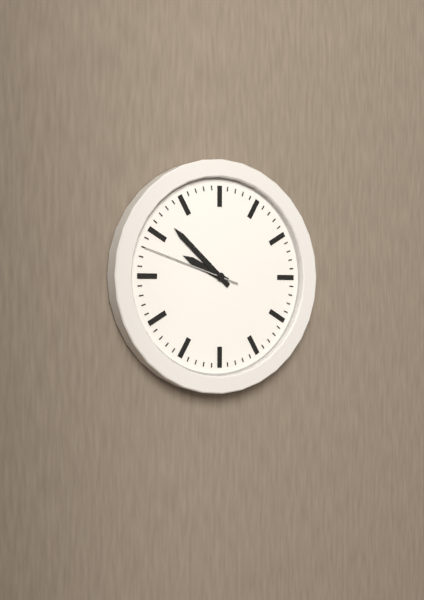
9:52:48
